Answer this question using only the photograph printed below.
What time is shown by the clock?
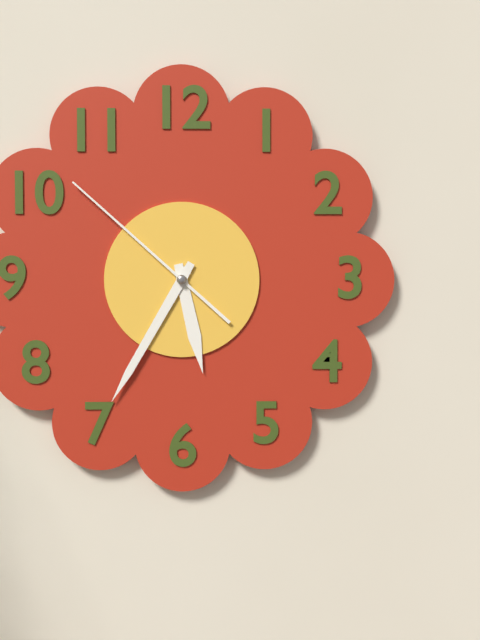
5:35:52
